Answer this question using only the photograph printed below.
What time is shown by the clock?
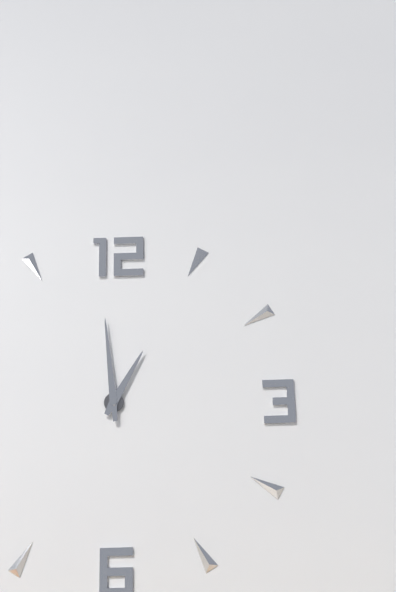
12:59
